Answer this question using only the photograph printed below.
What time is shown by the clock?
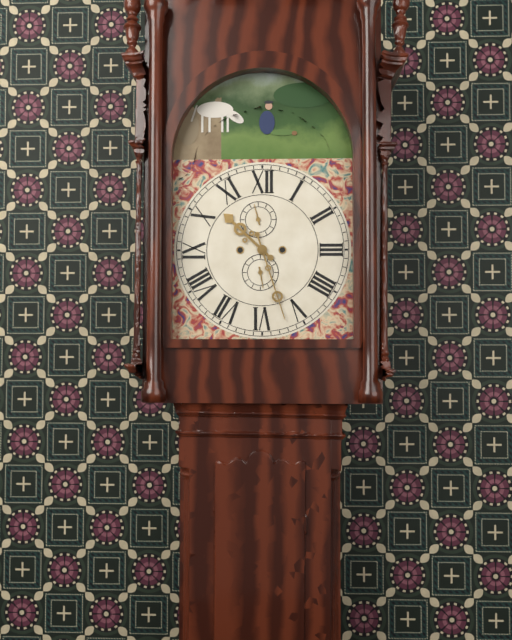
10:27
